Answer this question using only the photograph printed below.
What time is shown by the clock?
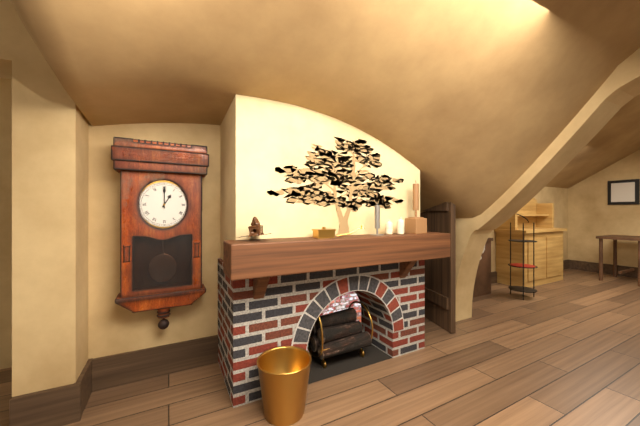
1:00
